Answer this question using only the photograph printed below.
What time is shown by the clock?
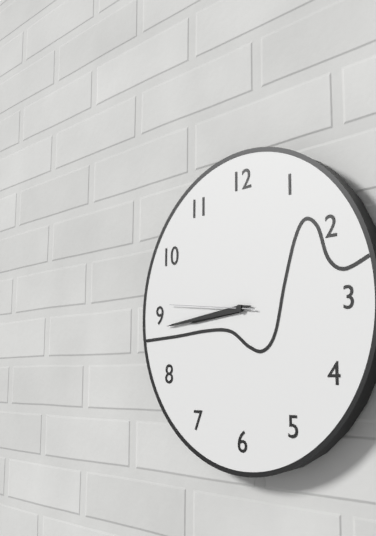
8:44:46
